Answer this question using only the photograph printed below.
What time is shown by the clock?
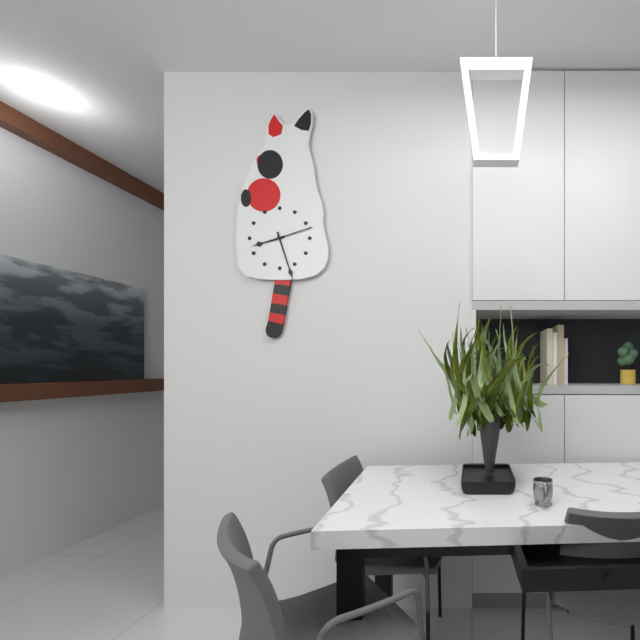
8:27
